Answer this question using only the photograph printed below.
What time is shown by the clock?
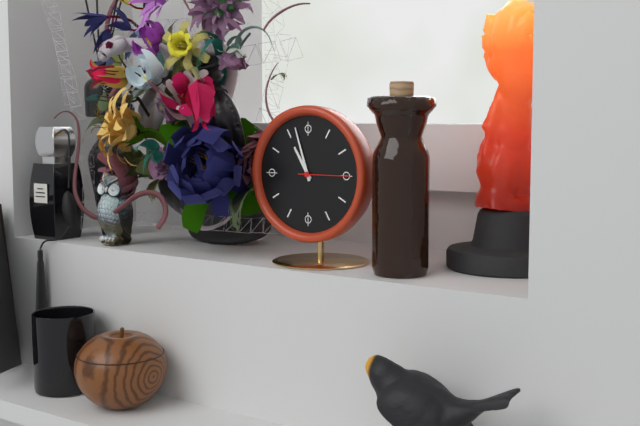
10:57:15
